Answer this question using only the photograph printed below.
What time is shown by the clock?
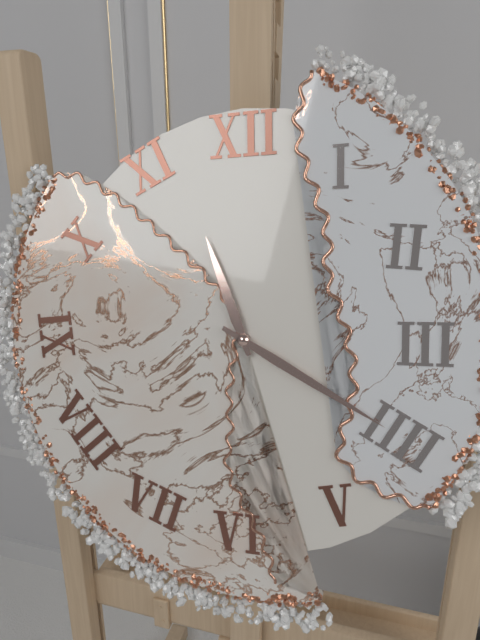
11:20
